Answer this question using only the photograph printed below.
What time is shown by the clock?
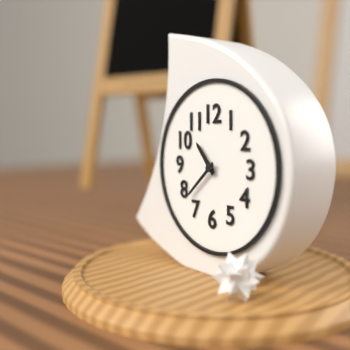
10:38
